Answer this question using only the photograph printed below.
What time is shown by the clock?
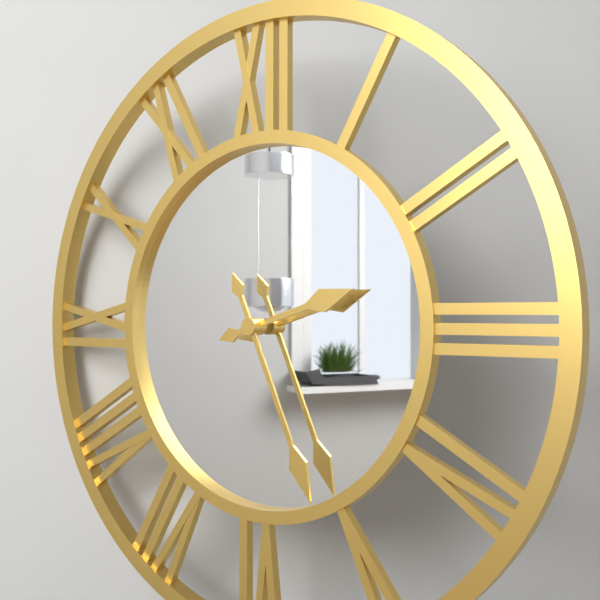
2:26
